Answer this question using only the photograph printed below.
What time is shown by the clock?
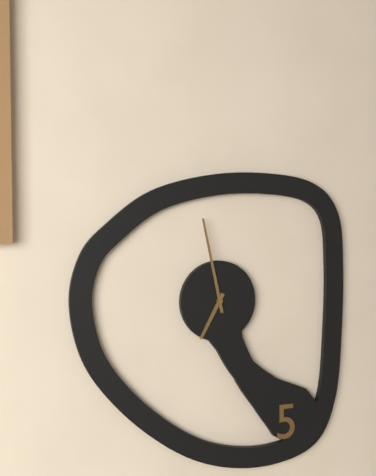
6:58
